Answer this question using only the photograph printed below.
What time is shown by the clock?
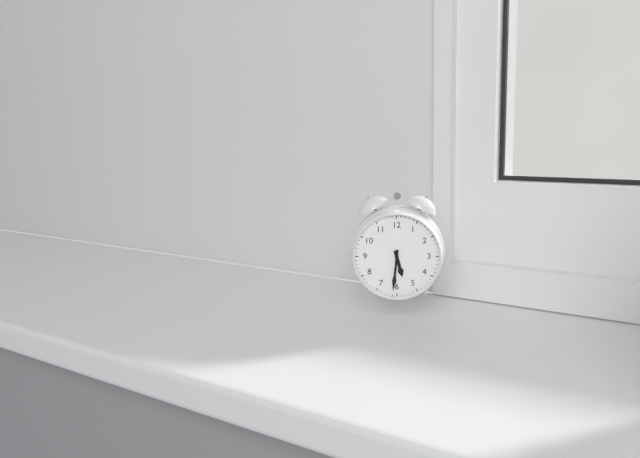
5:31
